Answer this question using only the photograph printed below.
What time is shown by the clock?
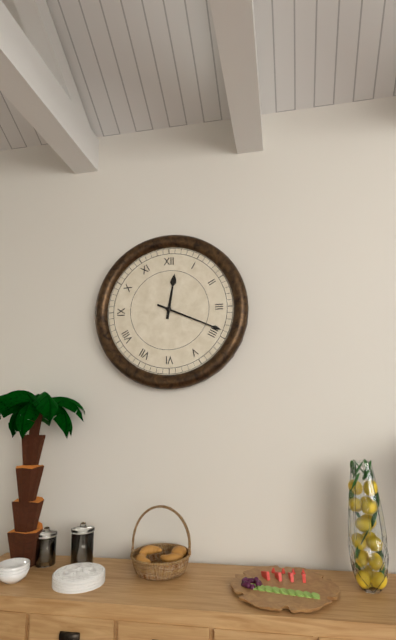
12:19
